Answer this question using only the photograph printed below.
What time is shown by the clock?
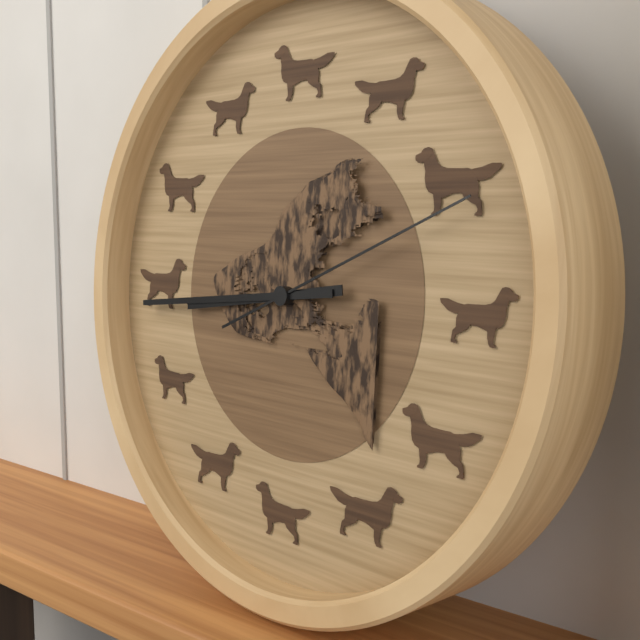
8:44:11
